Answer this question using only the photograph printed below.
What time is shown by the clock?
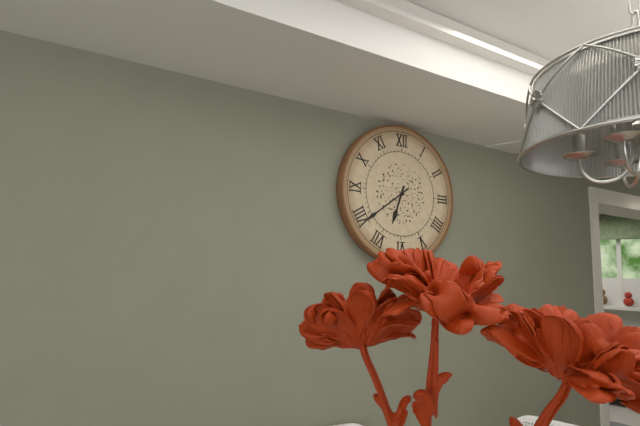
6:39
